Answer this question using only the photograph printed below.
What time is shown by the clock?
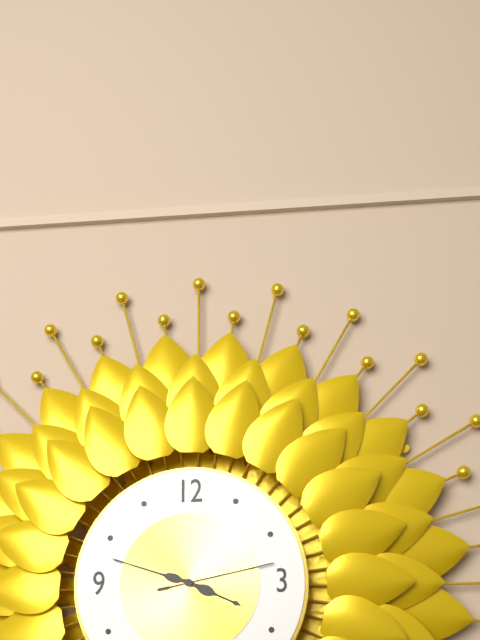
3:48:13
